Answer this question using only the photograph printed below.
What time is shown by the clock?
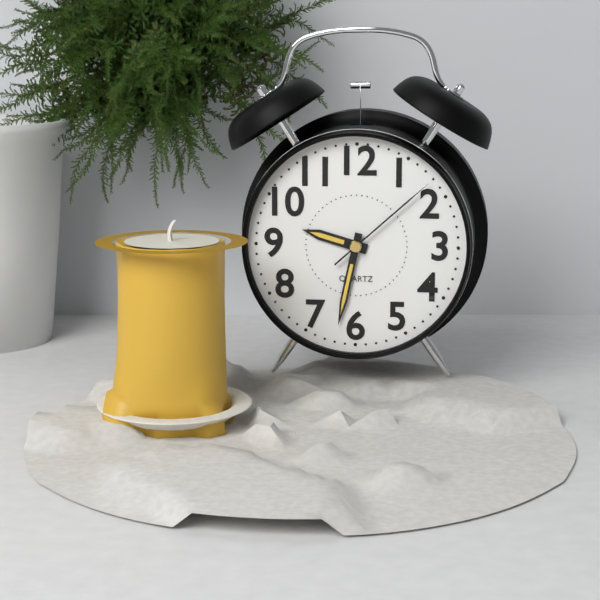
9:32:08
